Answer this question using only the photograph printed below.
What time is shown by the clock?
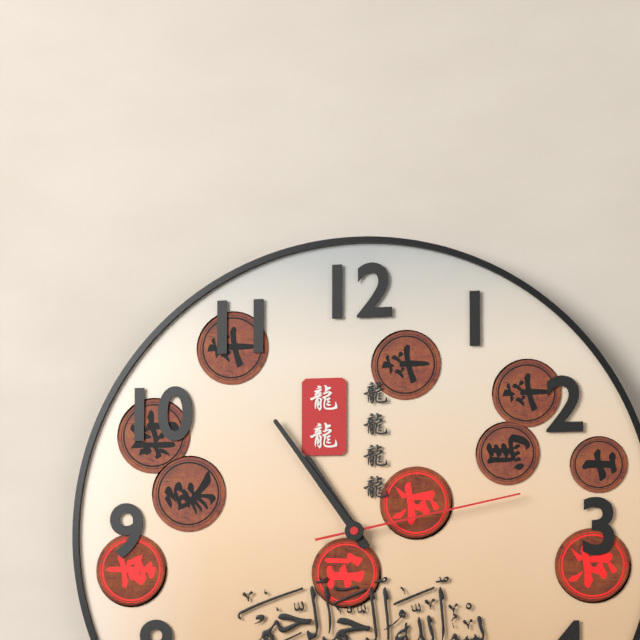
10:54:13
